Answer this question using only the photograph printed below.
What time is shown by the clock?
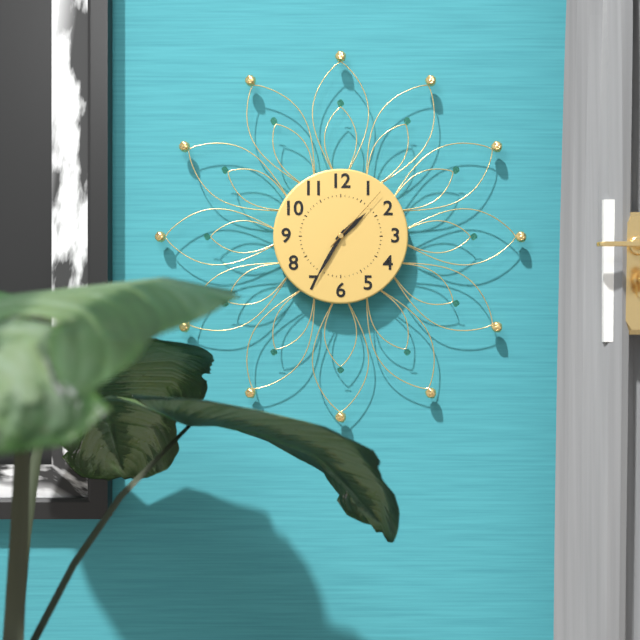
1:35:07
